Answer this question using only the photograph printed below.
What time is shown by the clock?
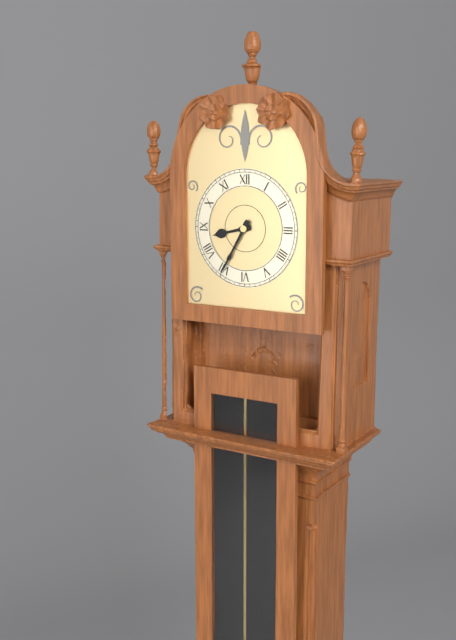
8:35
